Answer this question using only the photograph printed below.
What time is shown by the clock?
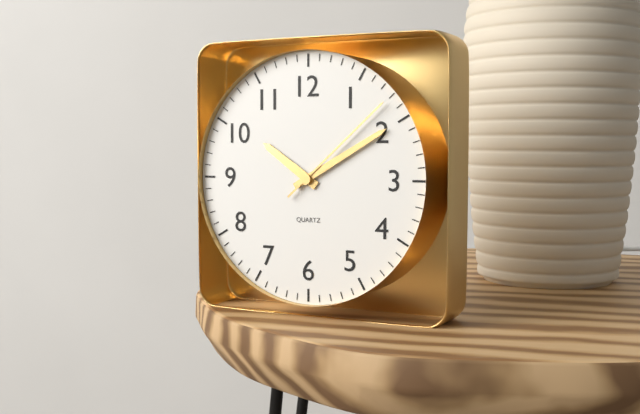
10:10:08
